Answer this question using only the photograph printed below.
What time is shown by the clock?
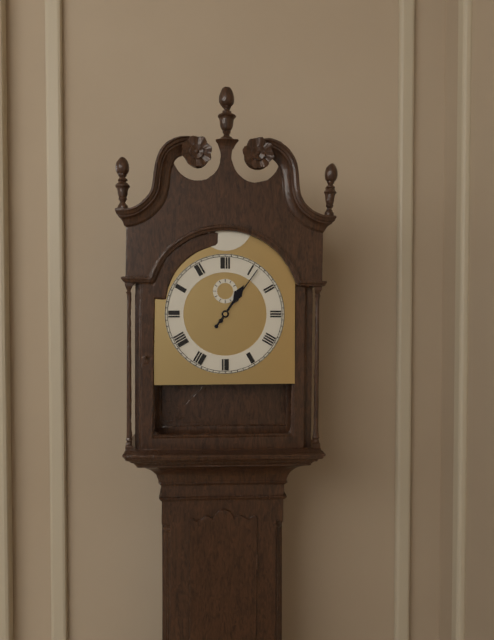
1:06
